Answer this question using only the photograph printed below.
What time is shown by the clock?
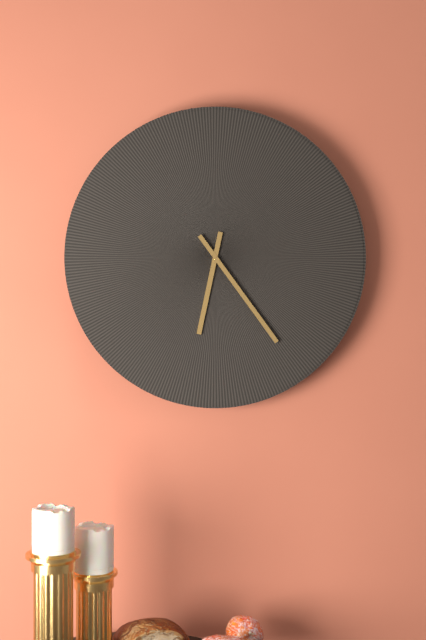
6:24
